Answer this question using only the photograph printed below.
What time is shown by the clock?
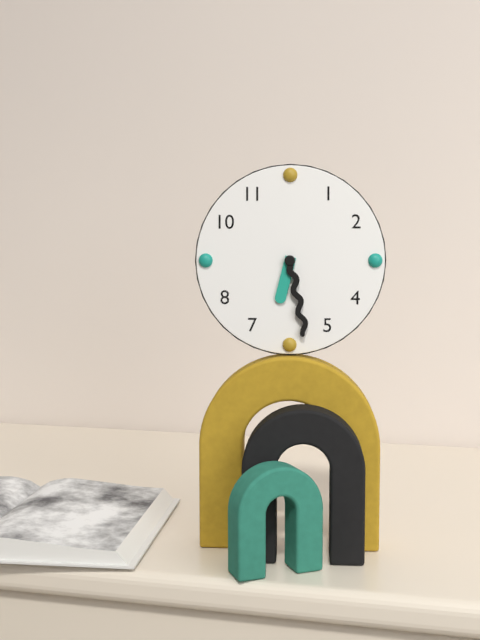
6:28
